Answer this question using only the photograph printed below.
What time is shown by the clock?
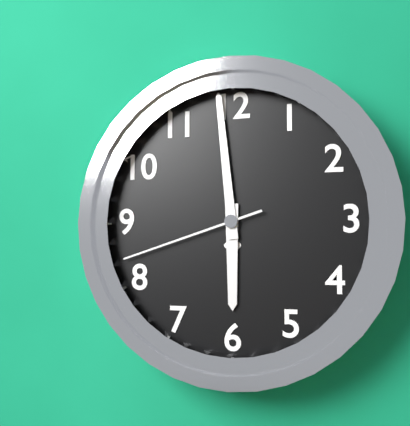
5:59:42
